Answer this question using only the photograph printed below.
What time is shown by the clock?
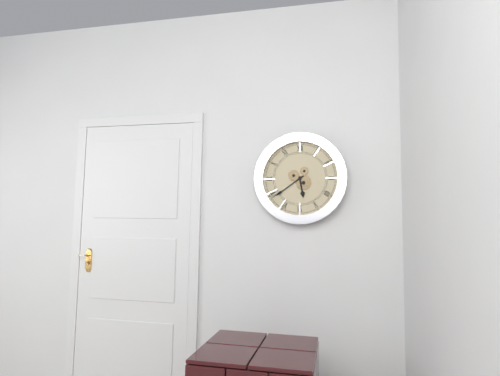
5:39
